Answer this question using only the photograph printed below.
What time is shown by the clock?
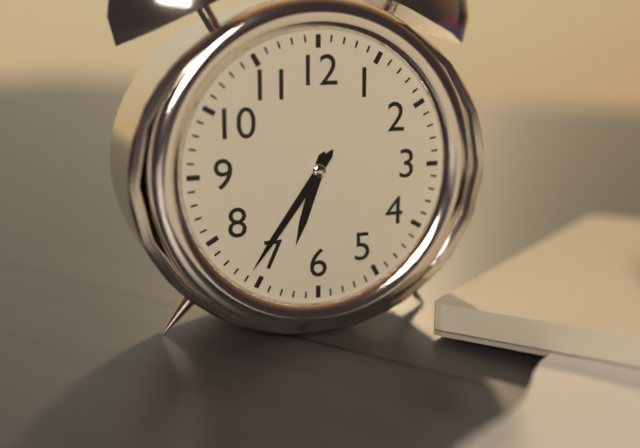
6:36
